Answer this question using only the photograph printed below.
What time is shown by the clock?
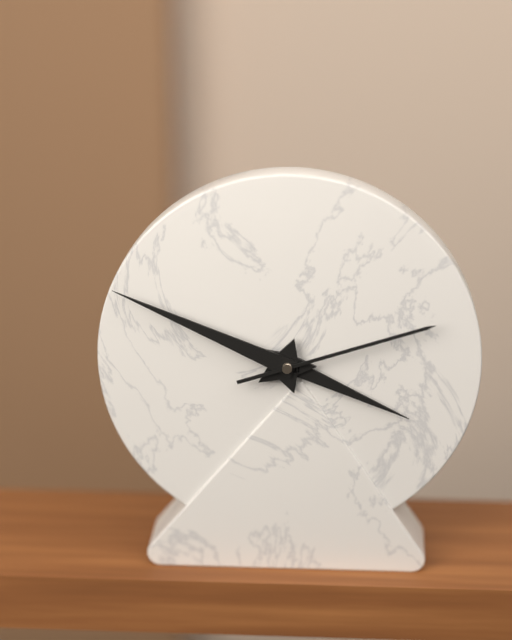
3:49:12
